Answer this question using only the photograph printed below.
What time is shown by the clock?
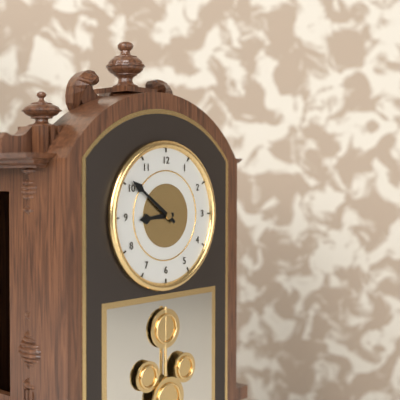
8:51
